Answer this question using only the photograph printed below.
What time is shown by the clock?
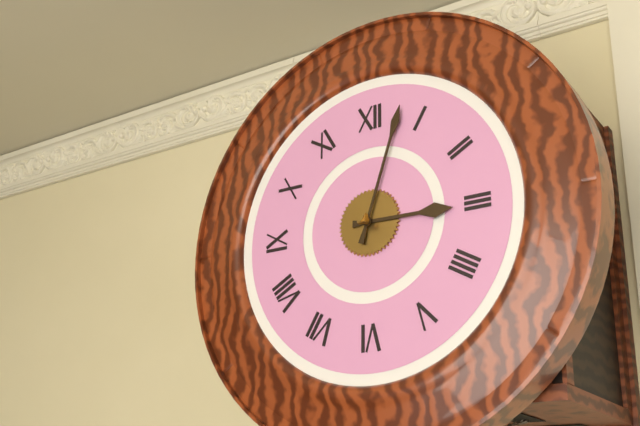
3:03
